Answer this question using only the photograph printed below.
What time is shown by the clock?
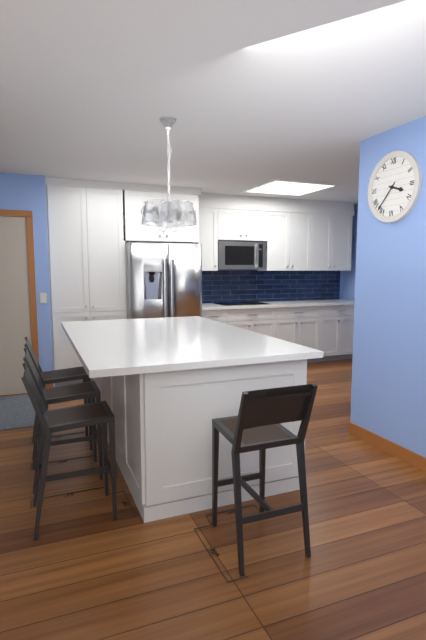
3:37
